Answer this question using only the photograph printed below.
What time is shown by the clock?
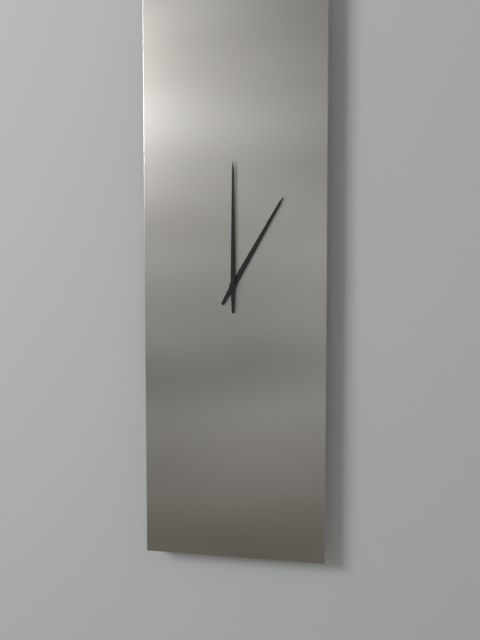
1:00
